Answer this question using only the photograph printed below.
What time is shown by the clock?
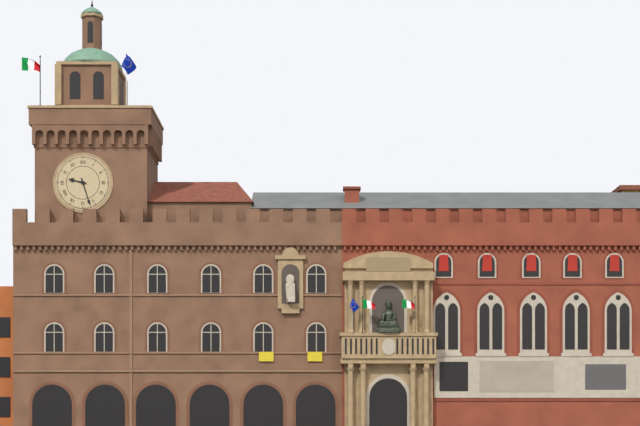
9:27
